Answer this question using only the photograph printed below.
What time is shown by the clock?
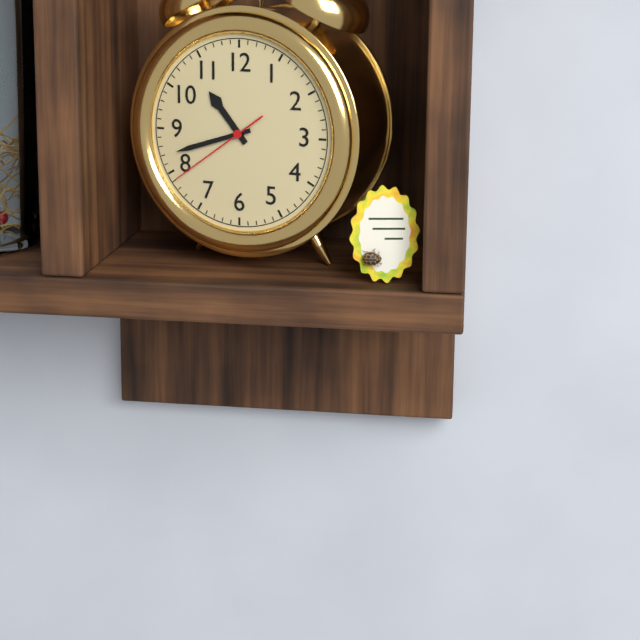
10:42:39
